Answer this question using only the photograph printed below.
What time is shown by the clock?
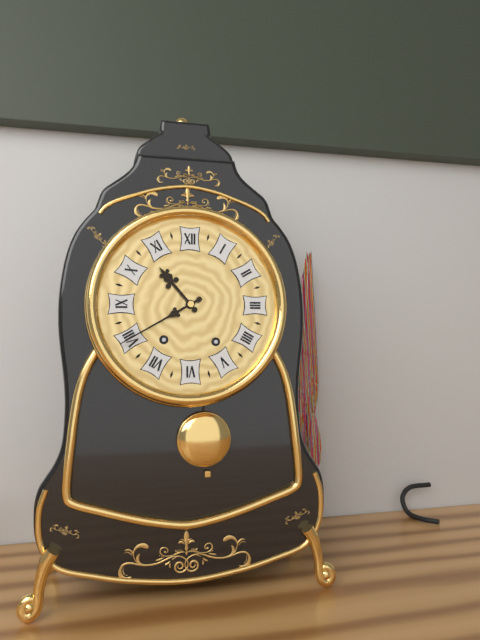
10:40
